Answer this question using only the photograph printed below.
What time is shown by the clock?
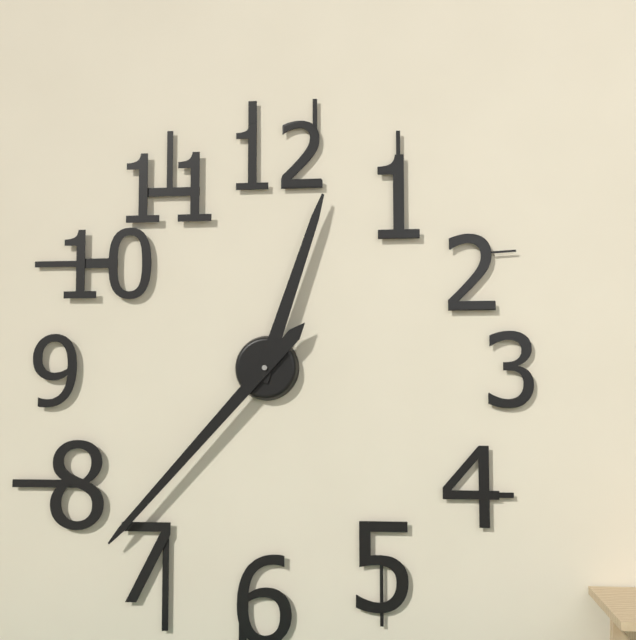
12:37
